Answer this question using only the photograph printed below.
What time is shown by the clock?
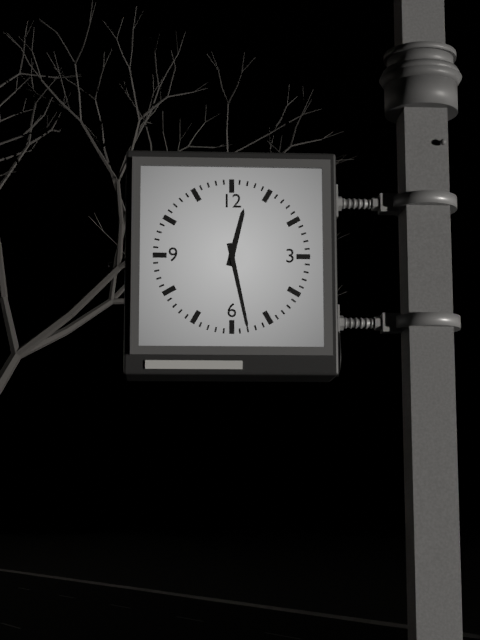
12:28
